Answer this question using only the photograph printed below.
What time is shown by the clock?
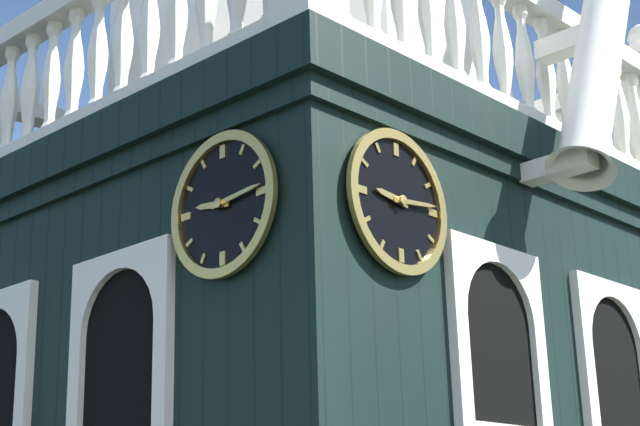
9:14
